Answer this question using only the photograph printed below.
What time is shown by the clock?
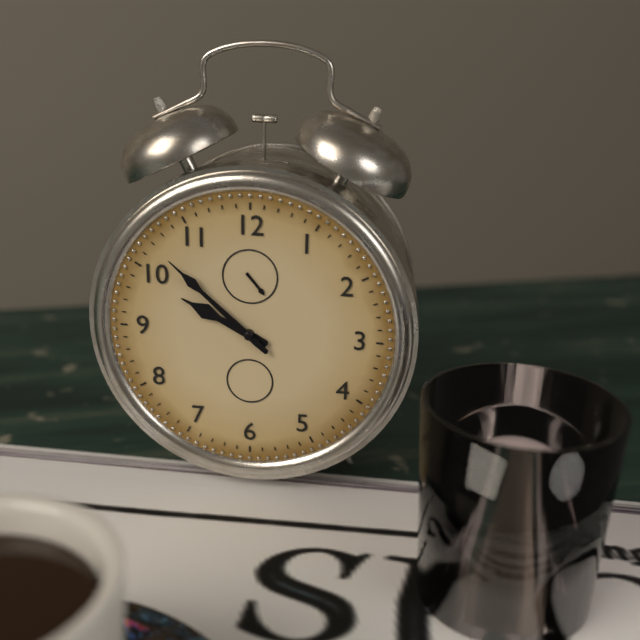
9:52
